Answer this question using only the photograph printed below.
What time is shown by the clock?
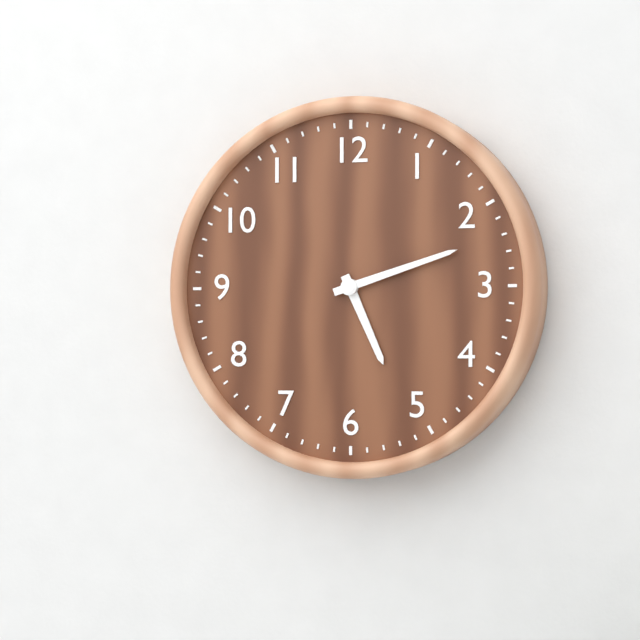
5:12
